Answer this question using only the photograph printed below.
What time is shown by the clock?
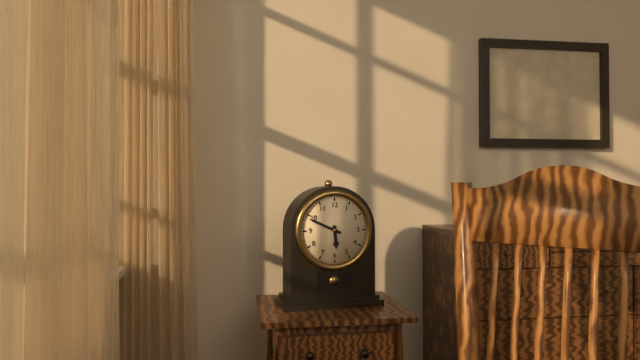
5:49
